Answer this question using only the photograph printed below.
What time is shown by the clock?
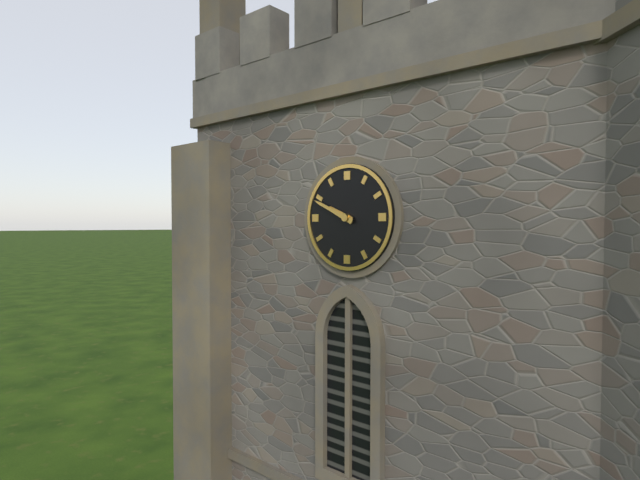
9:49
